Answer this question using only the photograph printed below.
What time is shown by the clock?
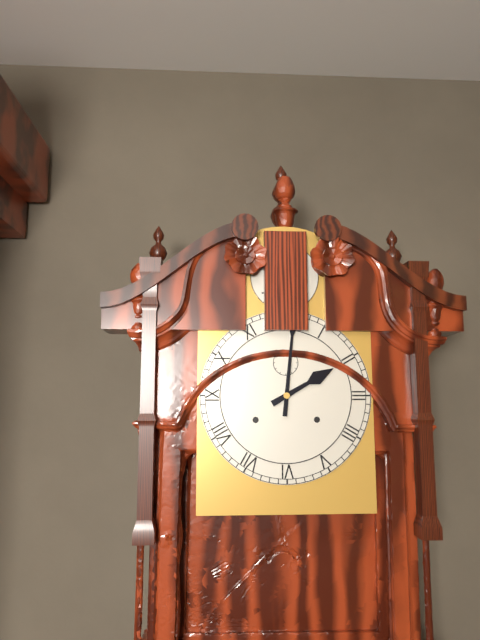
2:01
